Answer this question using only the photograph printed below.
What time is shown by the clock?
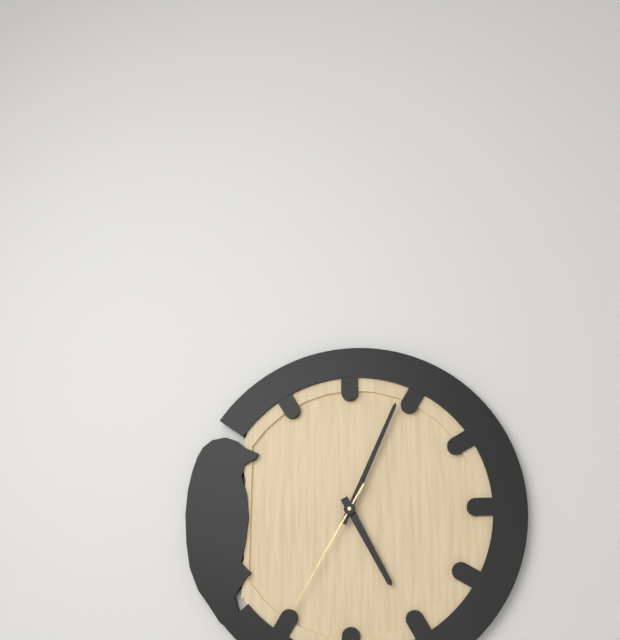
5:04:35
